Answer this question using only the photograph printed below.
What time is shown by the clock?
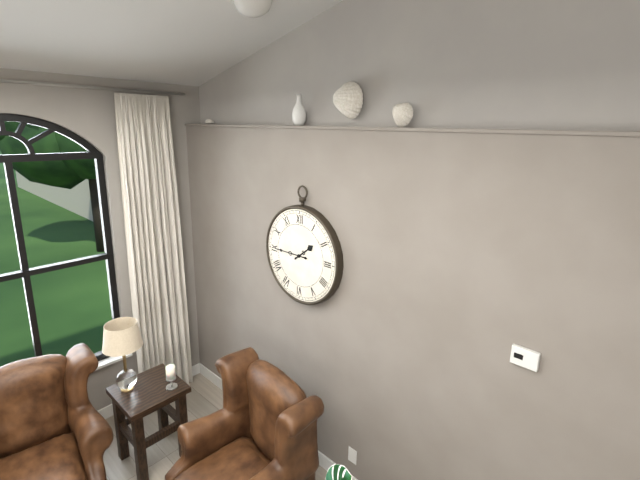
1:45
